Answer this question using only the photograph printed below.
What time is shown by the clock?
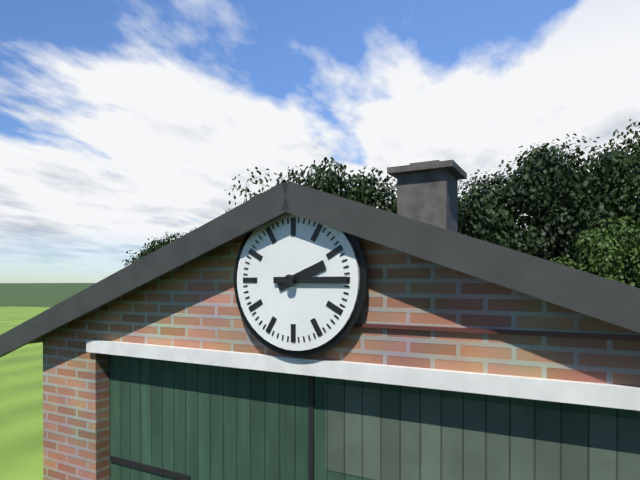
2:15
